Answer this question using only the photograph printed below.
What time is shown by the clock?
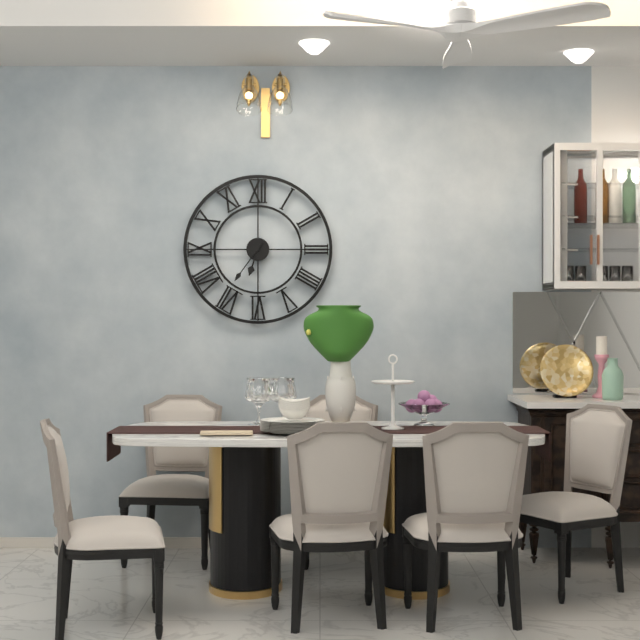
6:36
